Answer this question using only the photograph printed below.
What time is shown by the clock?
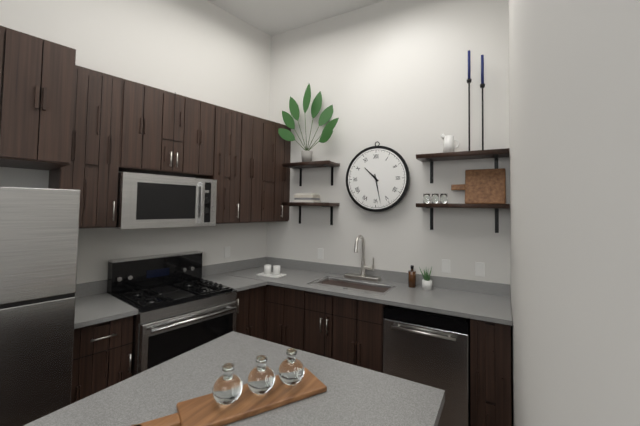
10:28
